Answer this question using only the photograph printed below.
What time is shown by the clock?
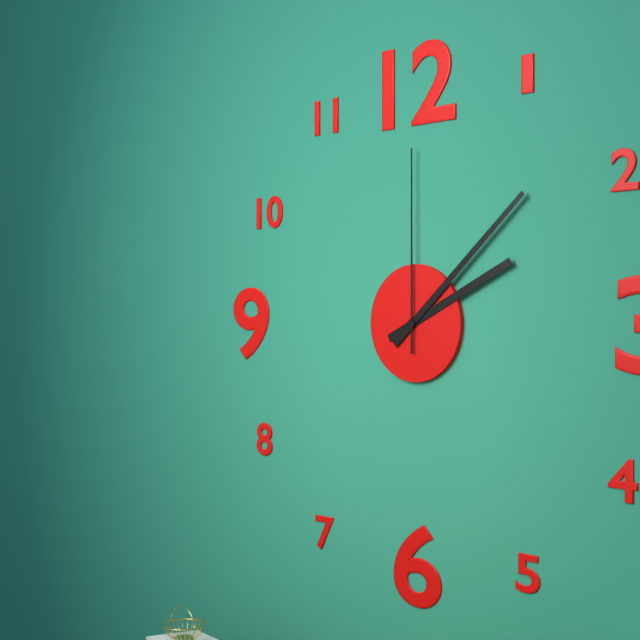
2:08:00
